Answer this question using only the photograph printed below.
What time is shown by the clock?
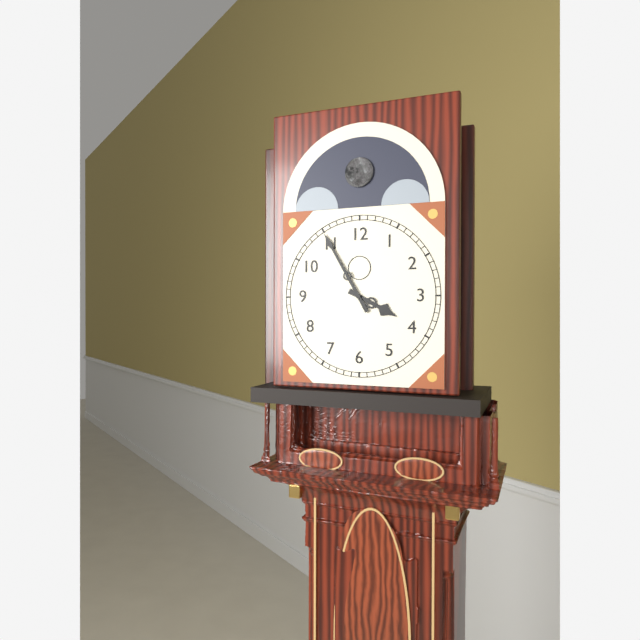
3:55
